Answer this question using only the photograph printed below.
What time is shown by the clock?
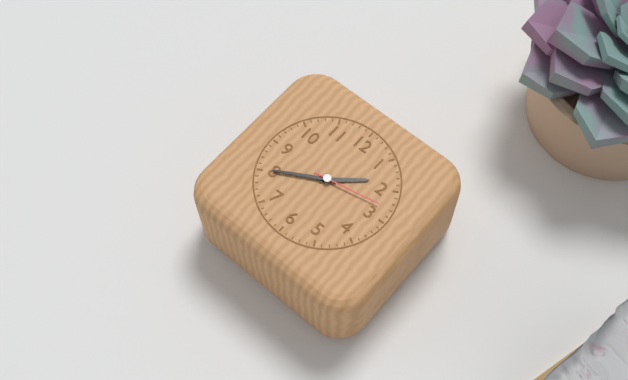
1:40:13
